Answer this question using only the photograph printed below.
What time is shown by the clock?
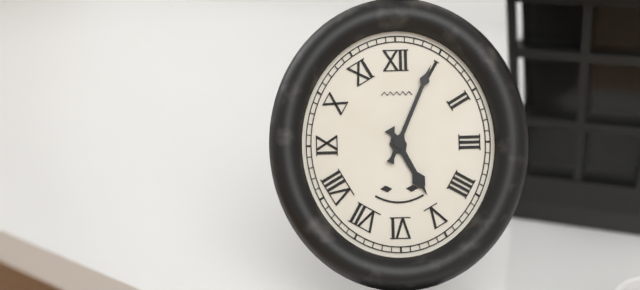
5:04
